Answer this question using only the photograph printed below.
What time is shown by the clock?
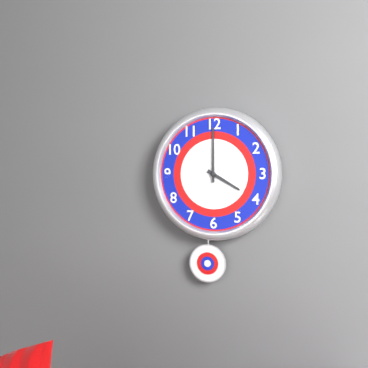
4:00
